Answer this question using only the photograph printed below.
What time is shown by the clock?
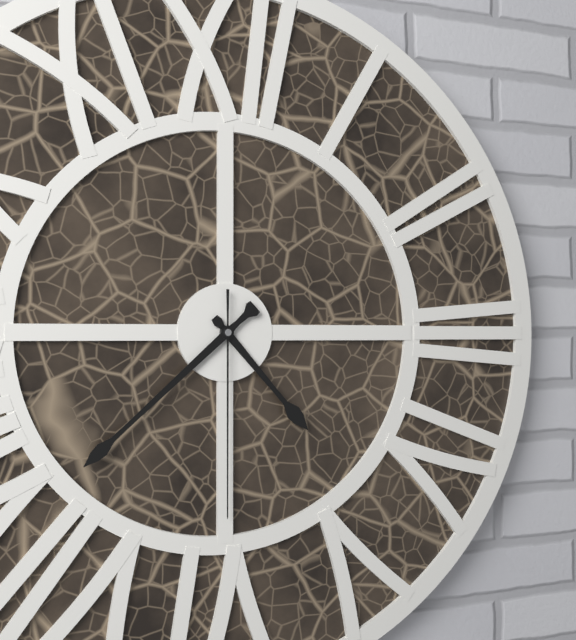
4:38:30
